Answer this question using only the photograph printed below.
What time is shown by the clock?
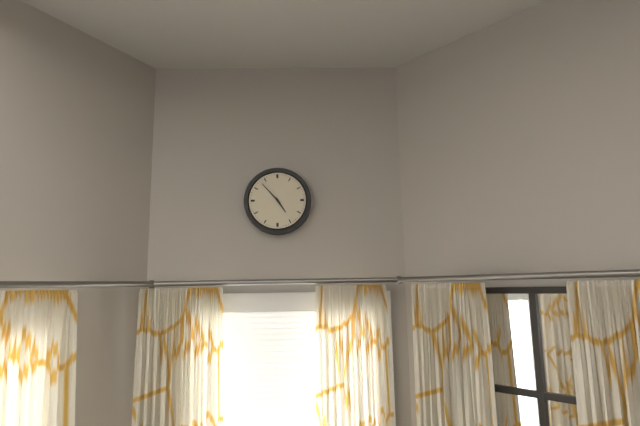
4:53
